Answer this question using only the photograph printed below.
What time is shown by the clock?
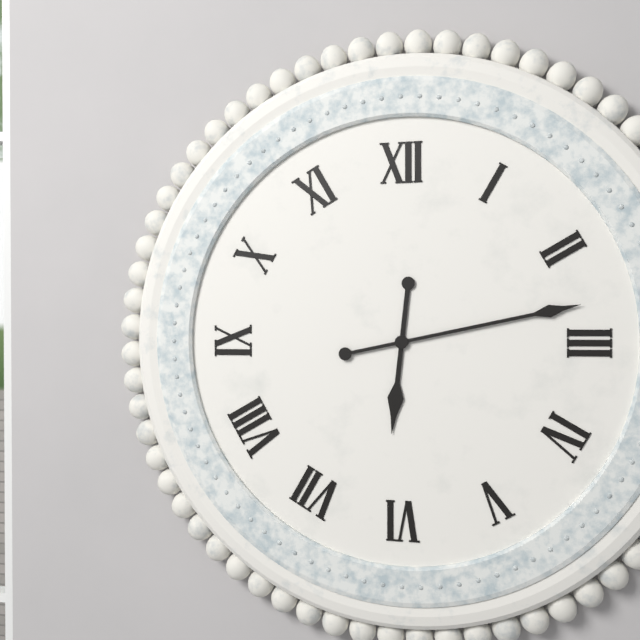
6:13
